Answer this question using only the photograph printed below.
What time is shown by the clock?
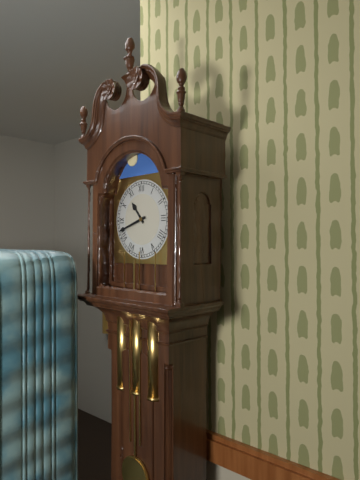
10:42
